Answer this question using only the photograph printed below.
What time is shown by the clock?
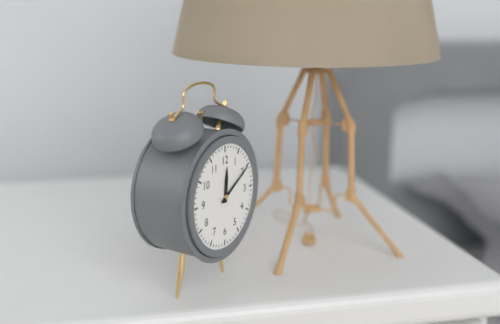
12:10
